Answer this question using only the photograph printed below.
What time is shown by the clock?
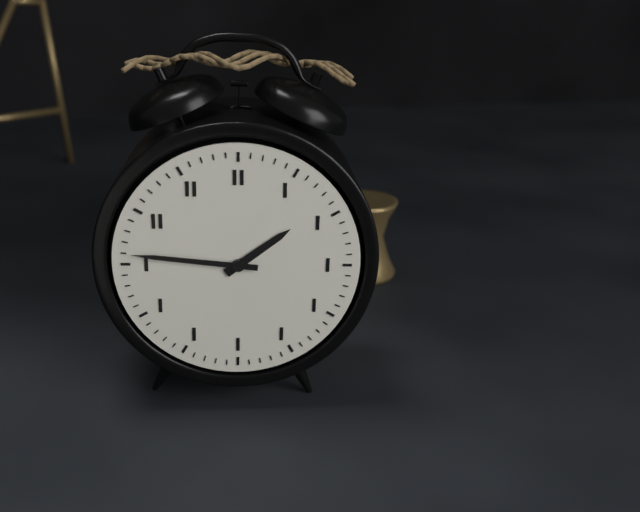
1:46
